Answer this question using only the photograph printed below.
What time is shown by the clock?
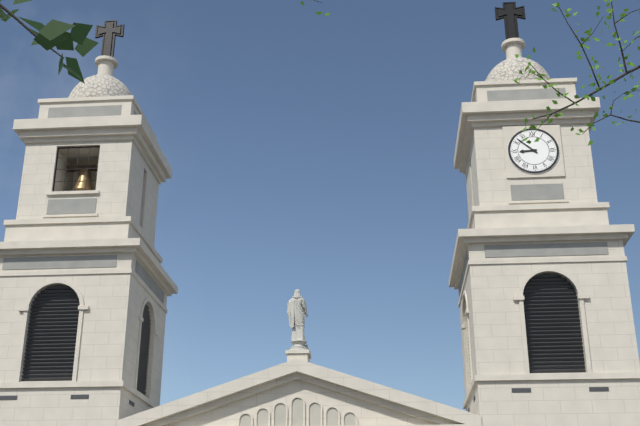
8:52
